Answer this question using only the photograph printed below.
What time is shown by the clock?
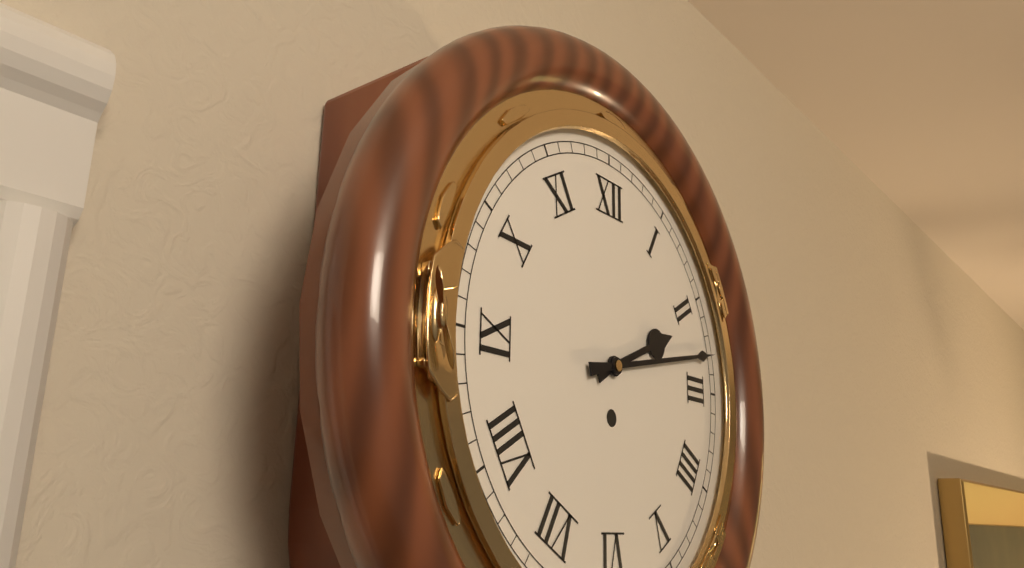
2:13
